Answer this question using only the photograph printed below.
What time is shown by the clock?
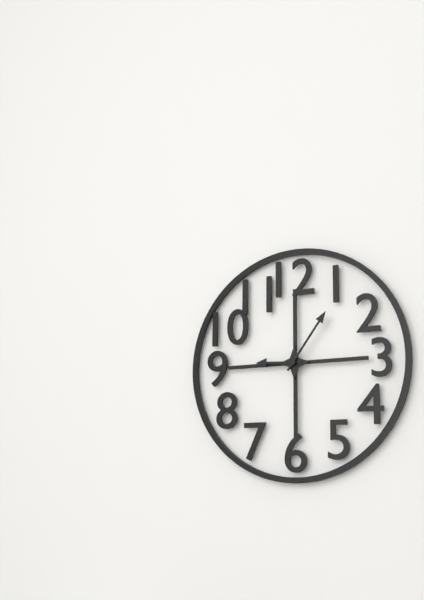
9:06
